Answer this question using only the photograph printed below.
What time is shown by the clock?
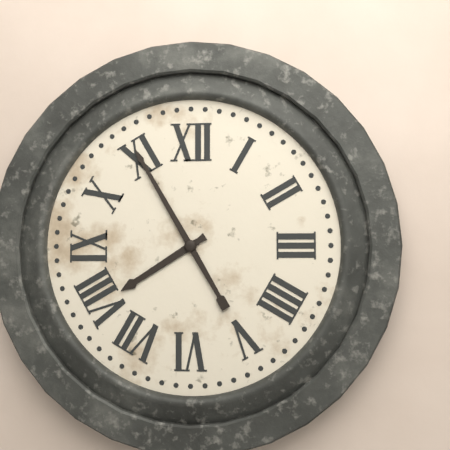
7:55
